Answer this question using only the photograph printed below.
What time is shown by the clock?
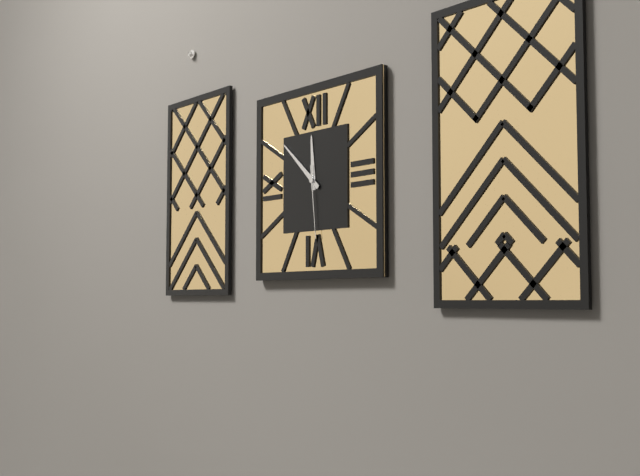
11:52:29
